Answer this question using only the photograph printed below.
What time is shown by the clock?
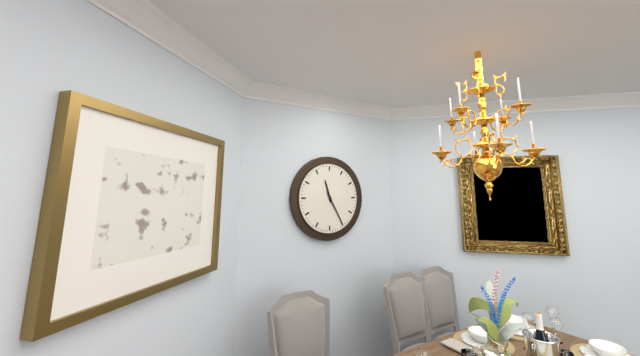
11:25
